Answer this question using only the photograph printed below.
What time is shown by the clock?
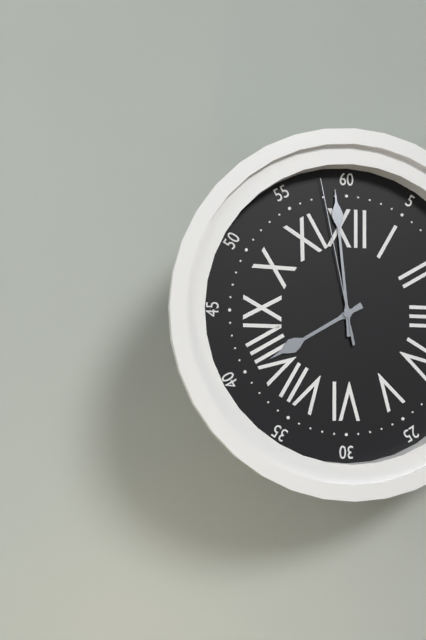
7:59:58
